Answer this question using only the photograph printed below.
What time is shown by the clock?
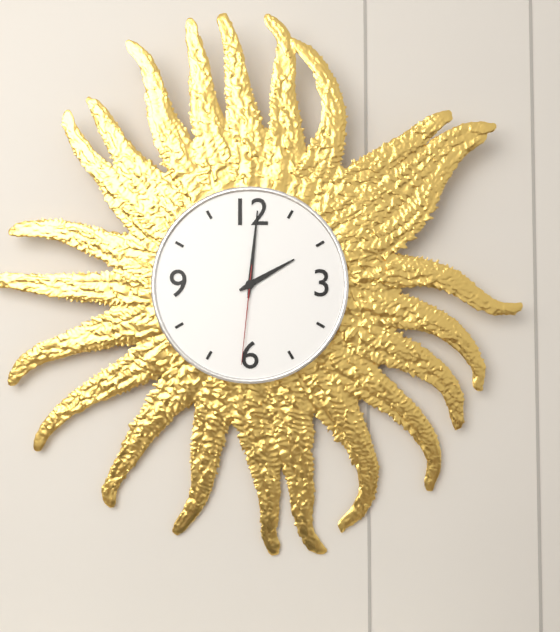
2:01:31
